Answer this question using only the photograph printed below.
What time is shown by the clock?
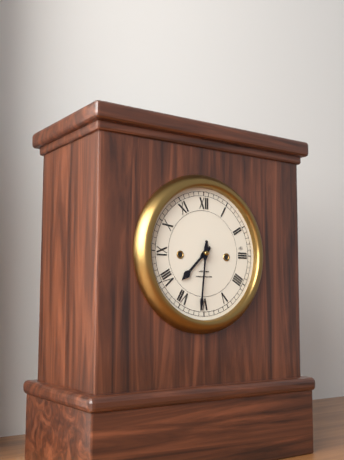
7:31
